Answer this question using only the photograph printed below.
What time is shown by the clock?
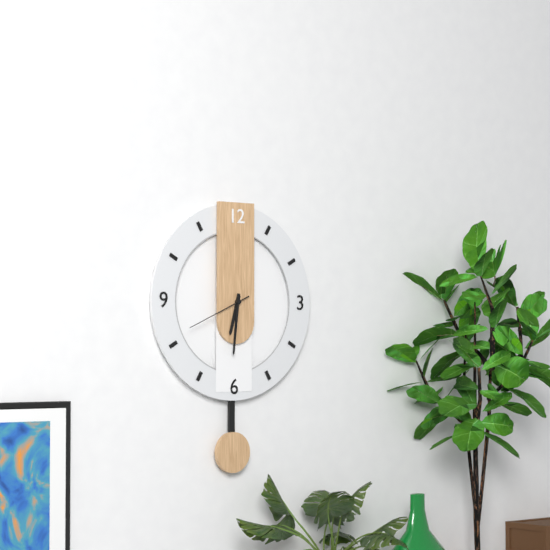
6:31:41
